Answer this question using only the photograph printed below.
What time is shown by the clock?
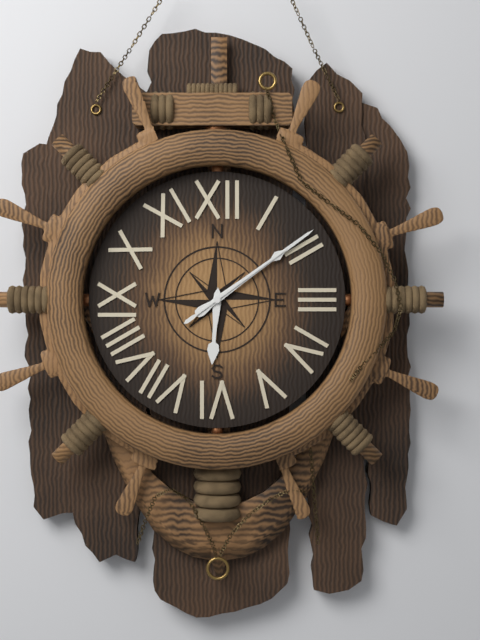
6:09:09
